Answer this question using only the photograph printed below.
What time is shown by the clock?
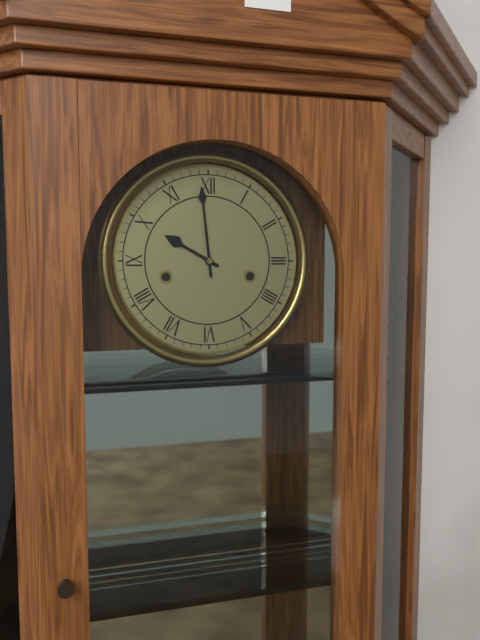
9:59
